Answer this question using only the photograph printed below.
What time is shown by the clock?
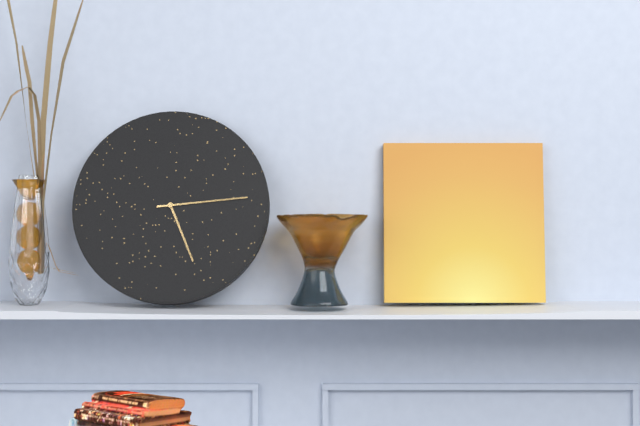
5:14
